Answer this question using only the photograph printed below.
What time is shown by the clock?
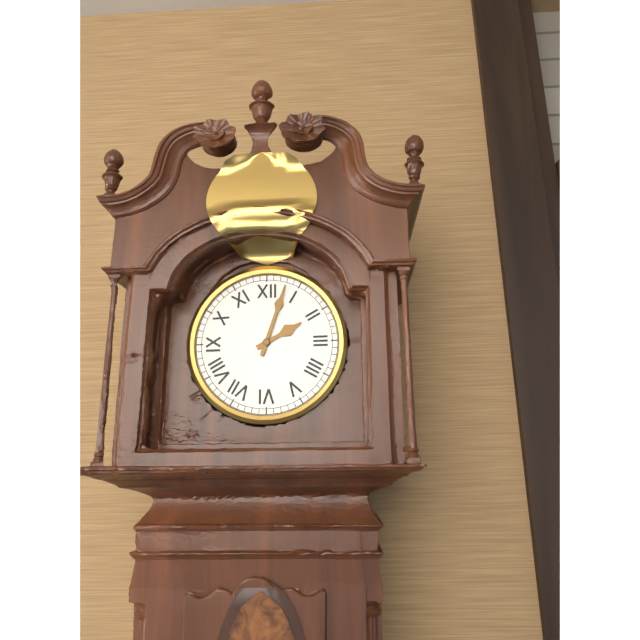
2:03
